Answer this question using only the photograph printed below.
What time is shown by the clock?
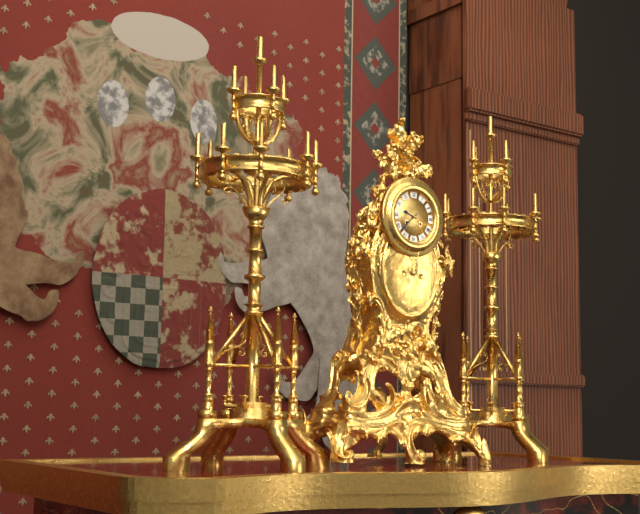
9:38
